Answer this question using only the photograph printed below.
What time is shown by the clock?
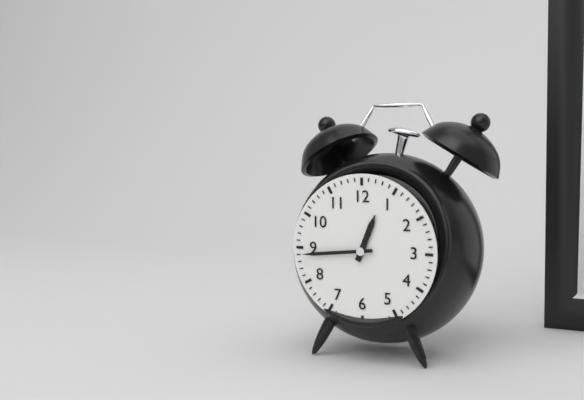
12:44
